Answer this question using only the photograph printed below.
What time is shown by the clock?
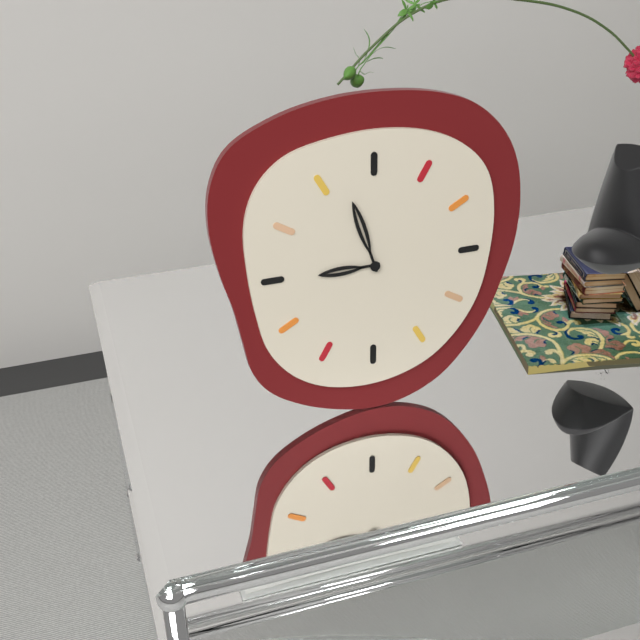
8:57
